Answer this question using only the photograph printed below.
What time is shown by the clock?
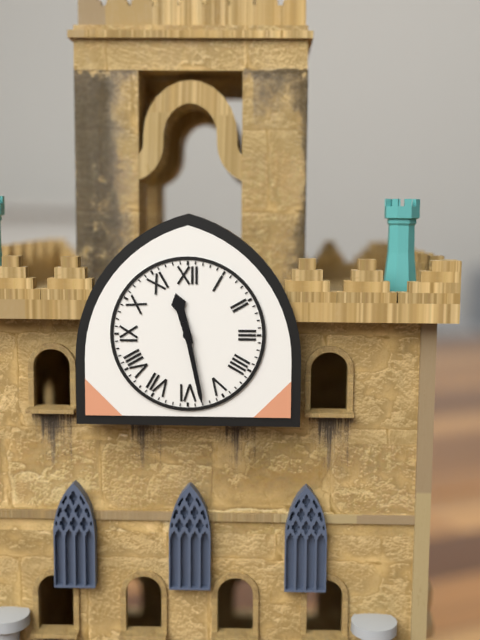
11:28
